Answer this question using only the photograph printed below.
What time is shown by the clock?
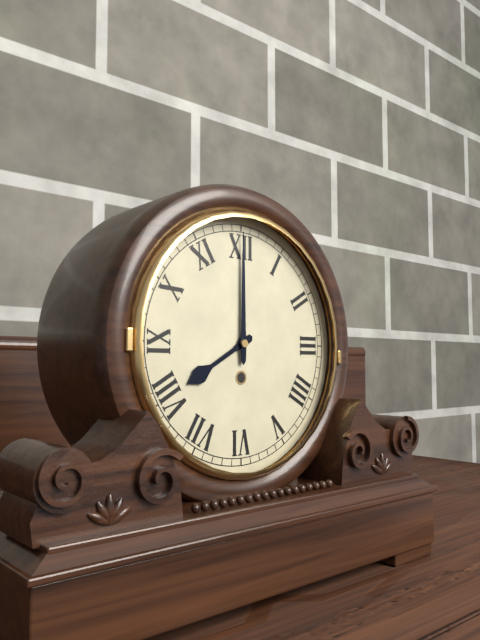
8:00
